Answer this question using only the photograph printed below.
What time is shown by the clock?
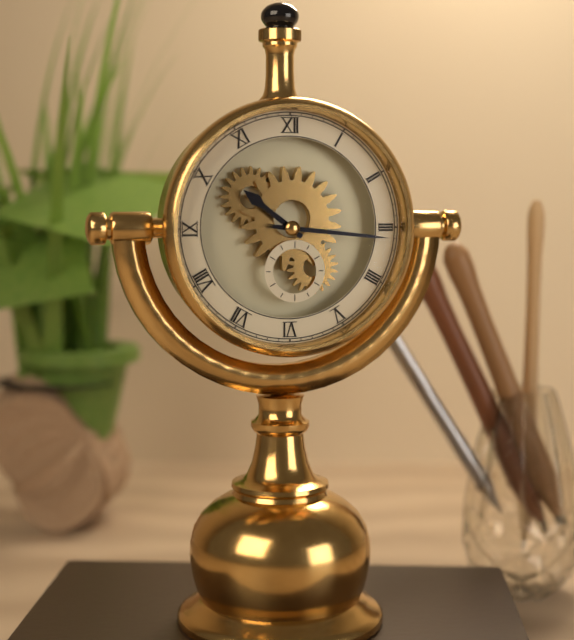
10:16
